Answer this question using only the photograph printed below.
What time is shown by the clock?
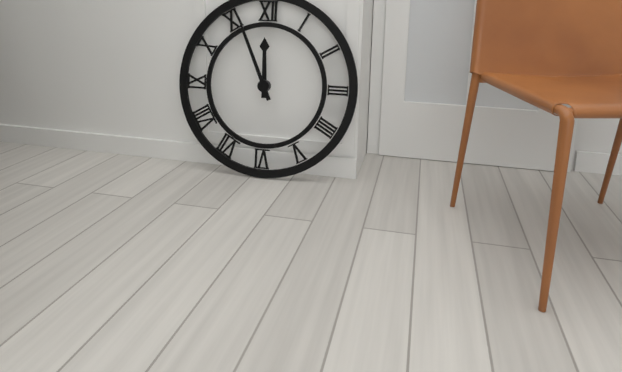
11:56
